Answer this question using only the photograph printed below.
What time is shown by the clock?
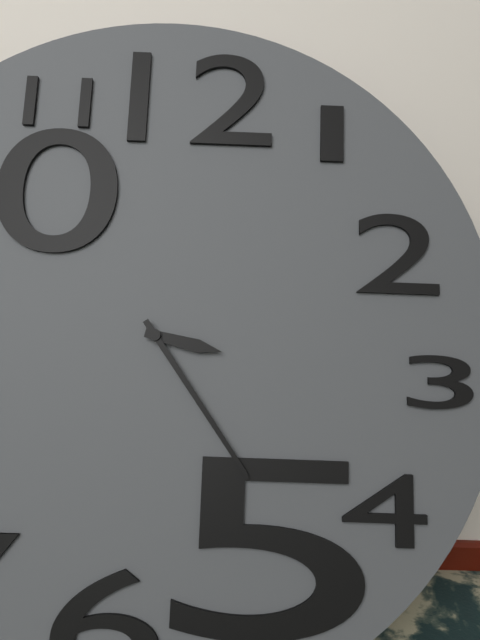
3:24
